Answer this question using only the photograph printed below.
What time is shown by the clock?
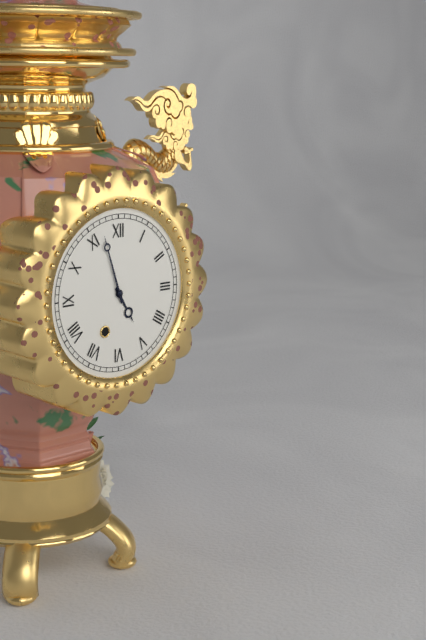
4:57
